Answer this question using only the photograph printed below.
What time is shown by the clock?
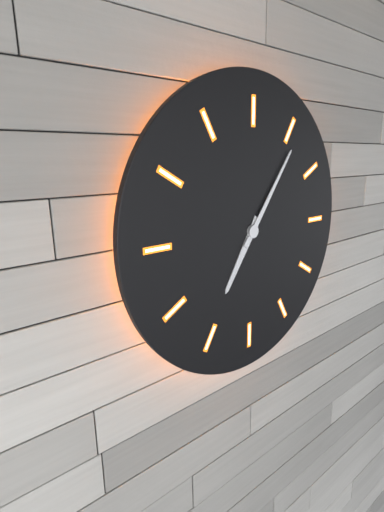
7:06
